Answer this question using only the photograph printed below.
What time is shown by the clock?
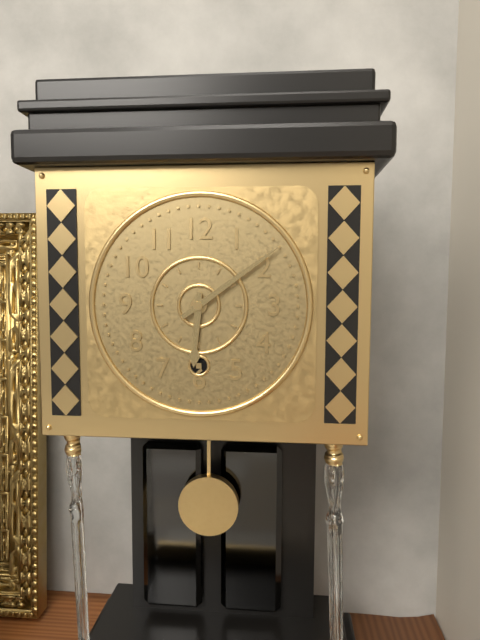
6:09
